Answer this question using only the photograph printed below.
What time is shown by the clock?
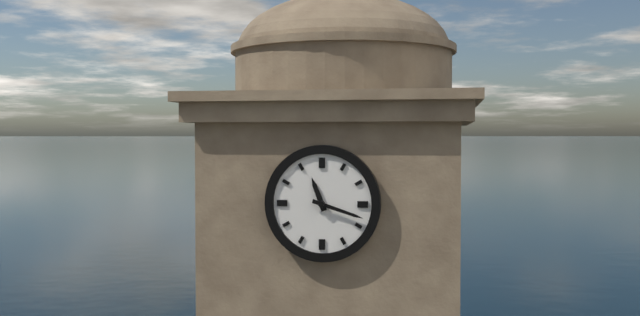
11:18
